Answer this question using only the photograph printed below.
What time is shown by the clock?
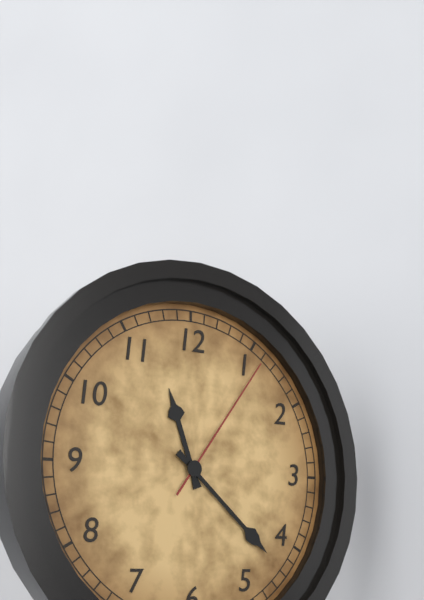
11:22:06
